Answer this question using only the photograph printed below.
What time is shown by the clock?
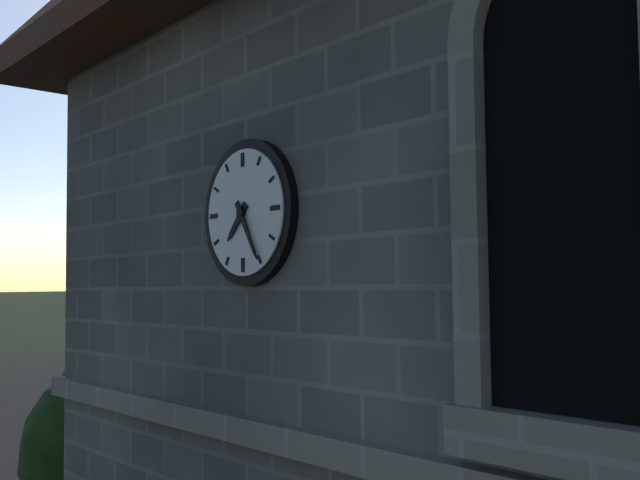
7:25
